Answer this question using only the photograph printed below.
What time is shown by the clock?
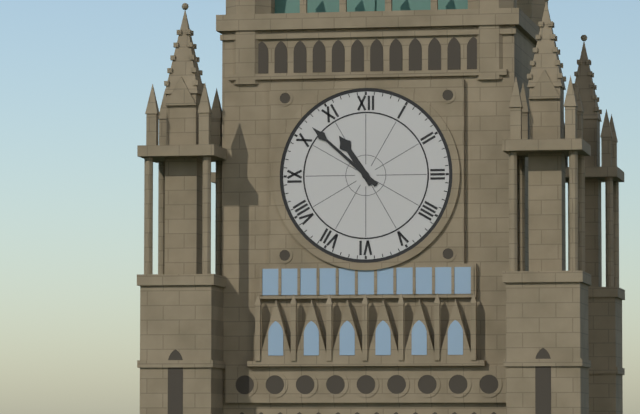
10:52
